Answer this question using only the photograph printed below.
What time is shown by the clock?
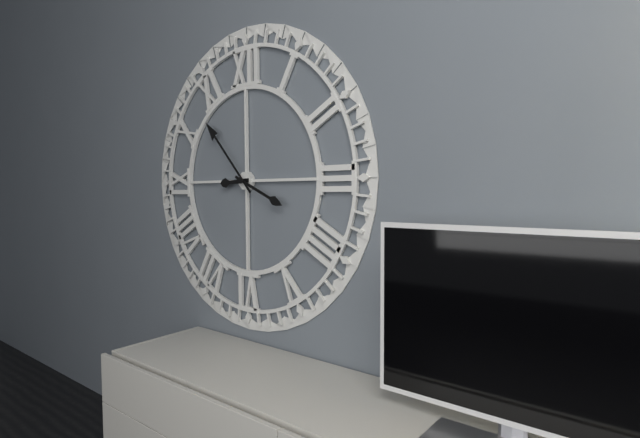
8:53:19
